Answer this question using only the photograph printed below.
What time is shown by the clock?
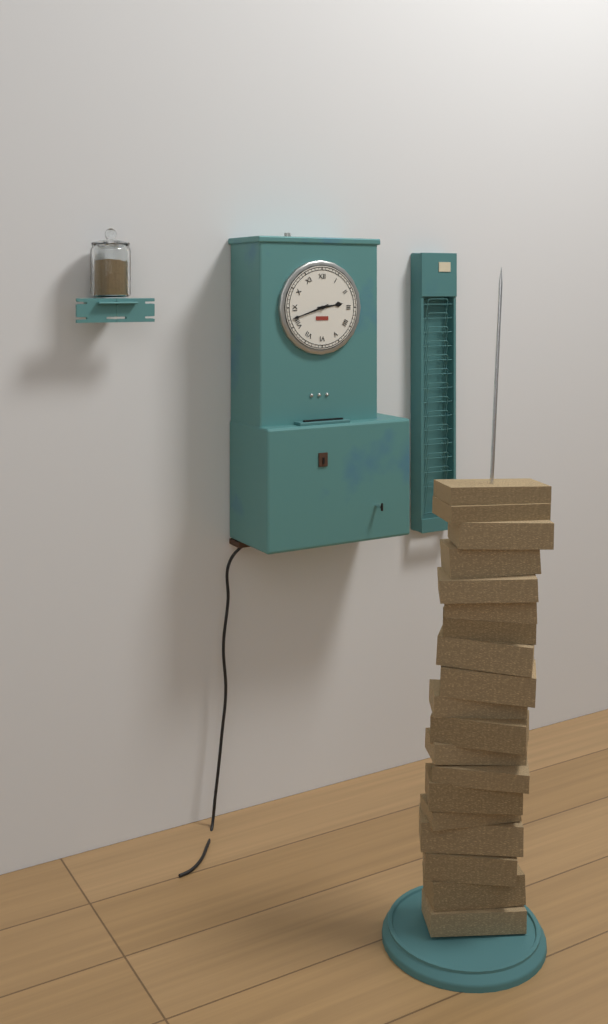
2:42
